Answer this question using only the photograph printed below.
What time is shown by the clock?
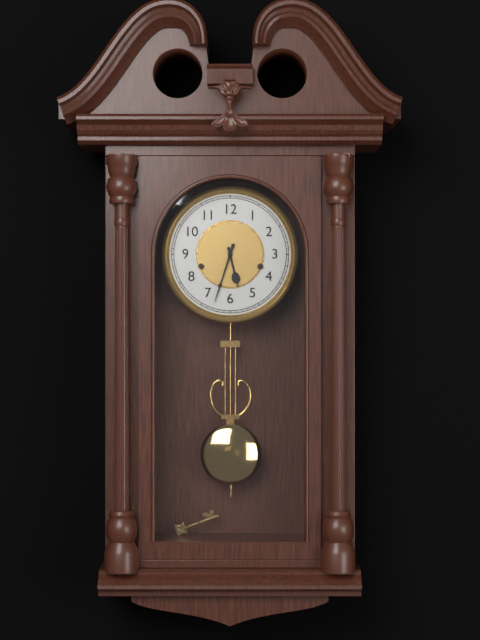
5:33
